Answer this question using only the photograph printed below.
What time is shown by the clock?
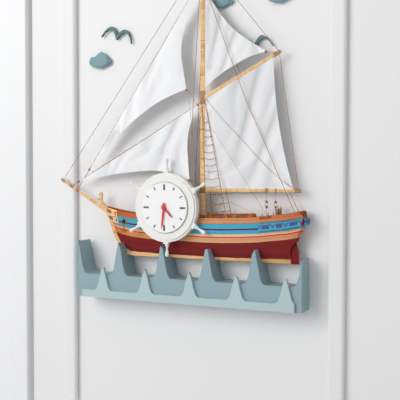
4:31
